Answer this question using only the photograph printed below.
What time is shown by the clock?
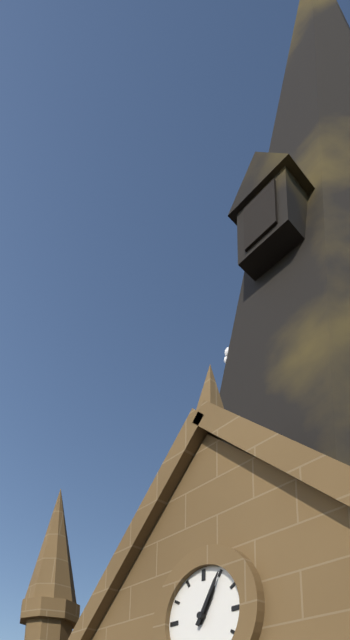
1:05
